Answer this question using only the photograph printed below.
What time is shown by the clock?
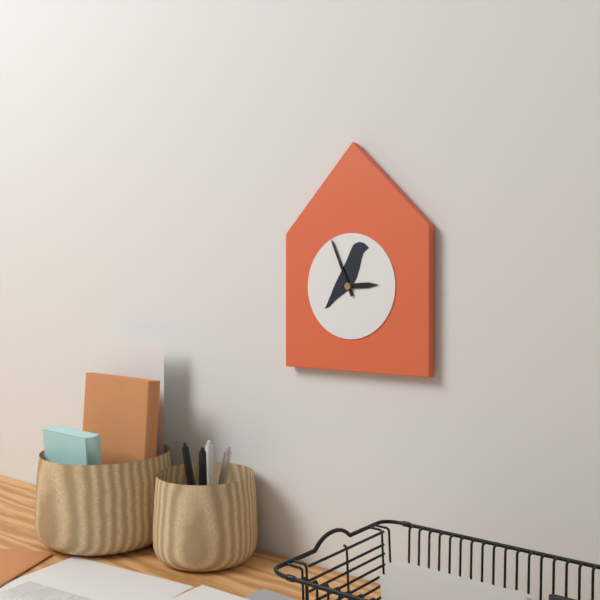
2:56
